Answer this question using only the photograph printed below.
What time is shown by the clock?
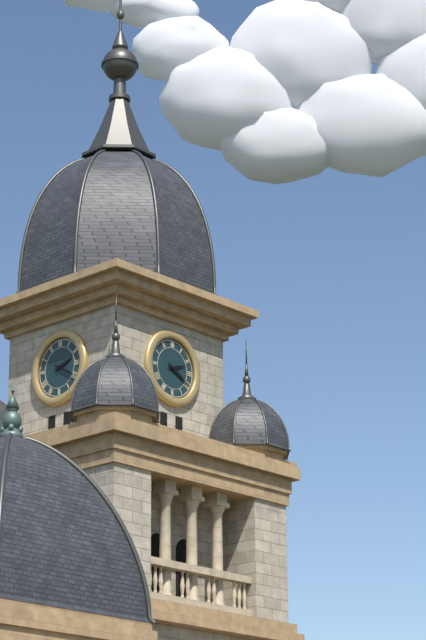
2:20
